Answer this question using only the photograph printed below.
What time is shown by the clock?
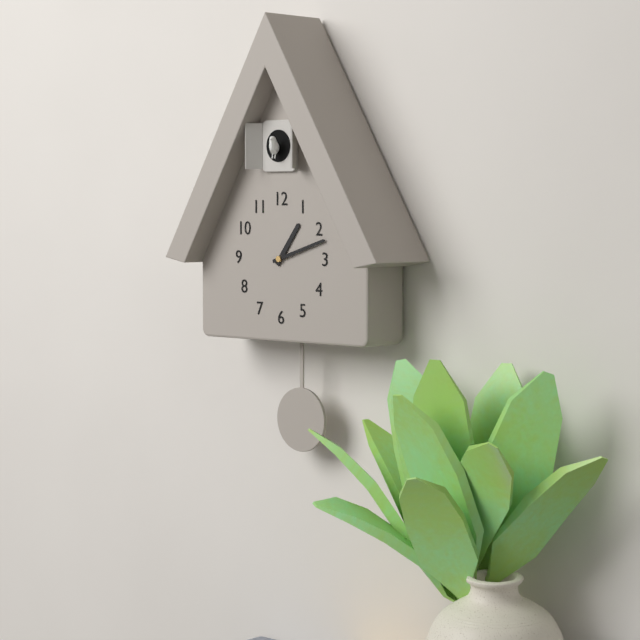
1:12
